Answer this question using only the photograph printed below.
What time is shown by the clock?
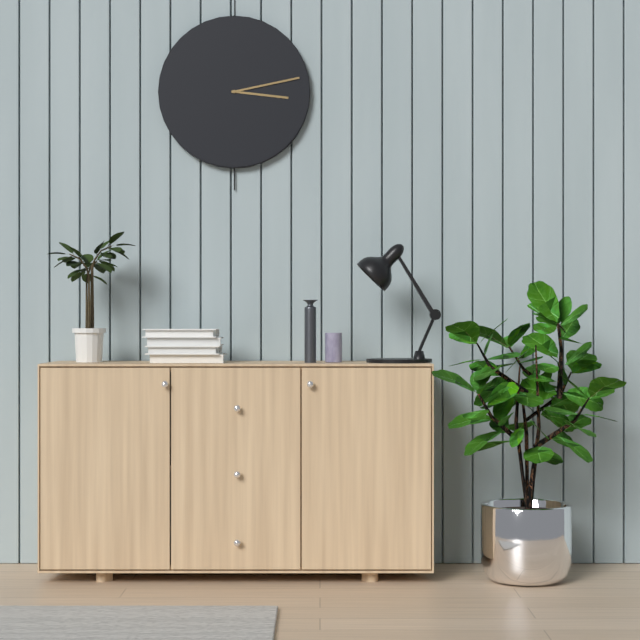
3:13
